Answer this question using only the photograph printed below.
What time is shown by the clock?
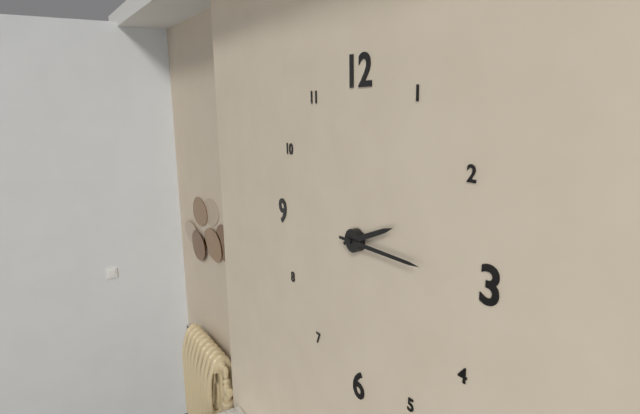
2:15
